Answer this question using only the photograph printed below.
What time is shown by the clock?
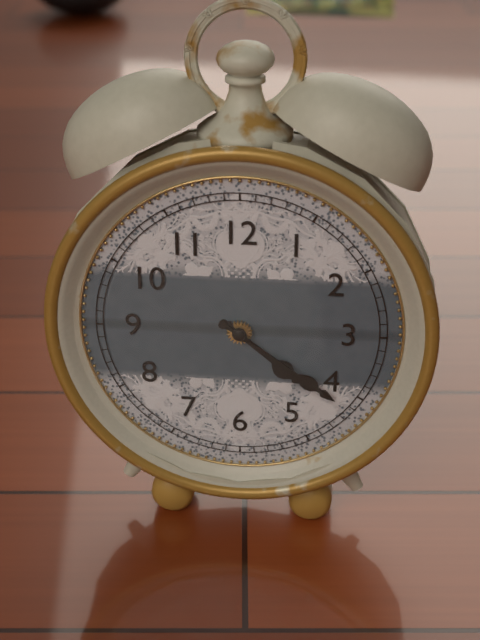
4:21
